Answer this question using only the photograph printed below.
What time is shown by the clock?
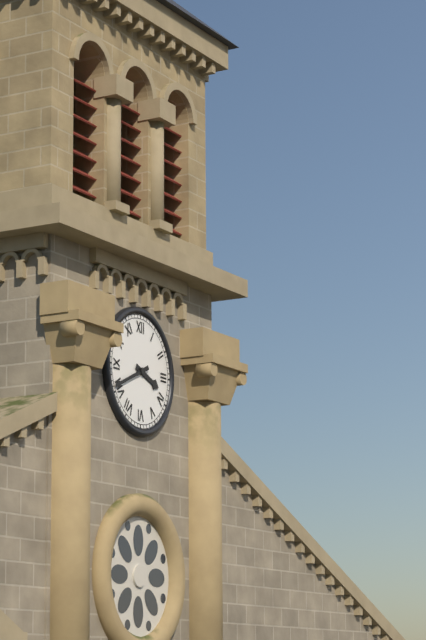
3:41
